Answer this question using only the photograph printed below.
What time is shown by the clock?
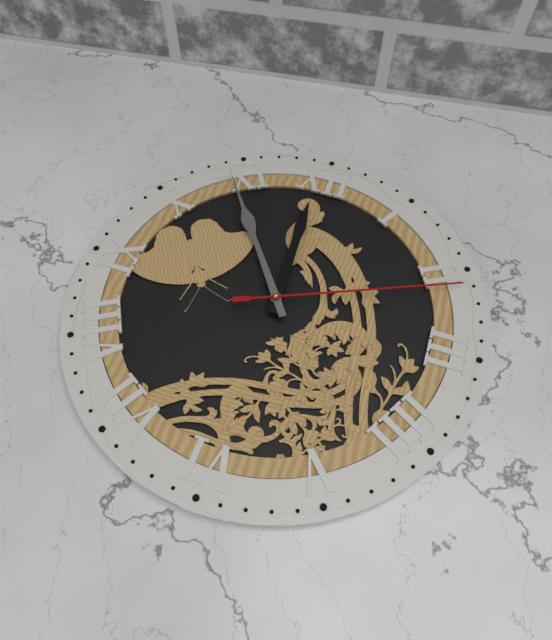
11:54:11
